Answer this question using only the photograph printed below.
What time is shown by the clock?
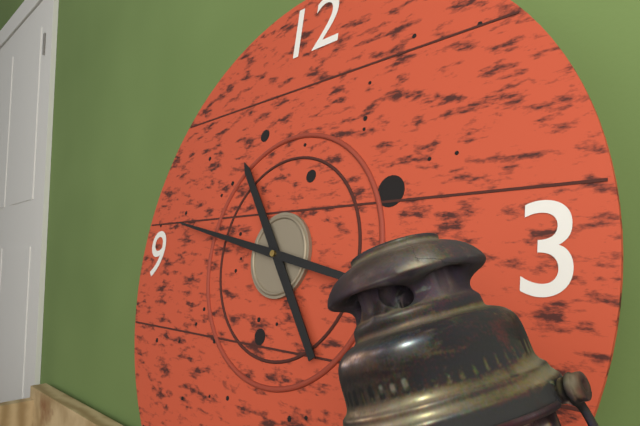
10:47
